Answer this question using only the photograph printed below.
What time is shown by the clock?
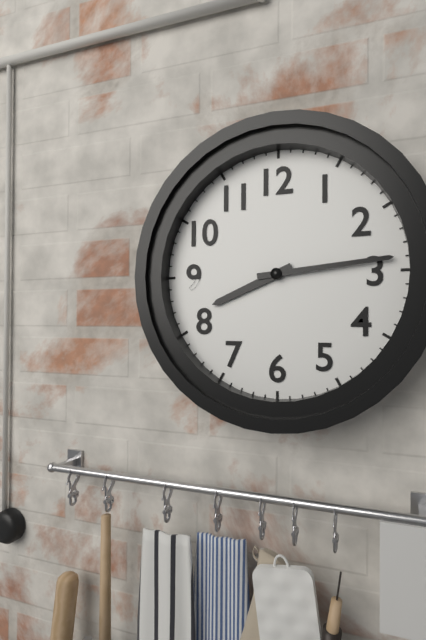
8:14
